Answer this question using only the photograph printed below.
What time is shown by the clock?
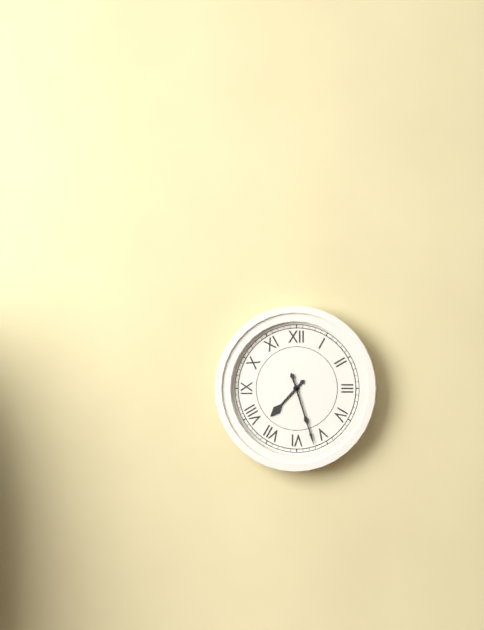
7:27
